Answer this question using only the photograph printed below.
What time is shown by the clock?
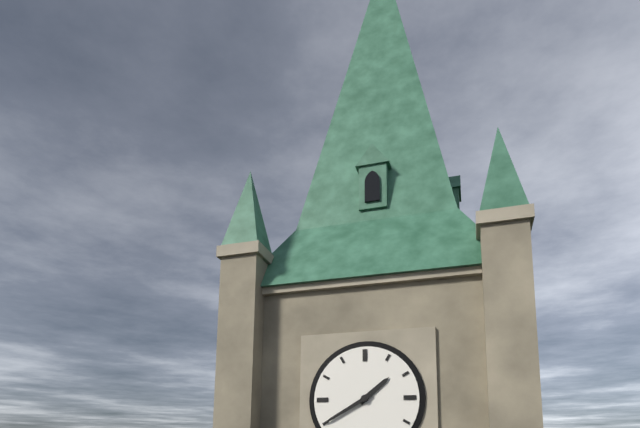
1:40
